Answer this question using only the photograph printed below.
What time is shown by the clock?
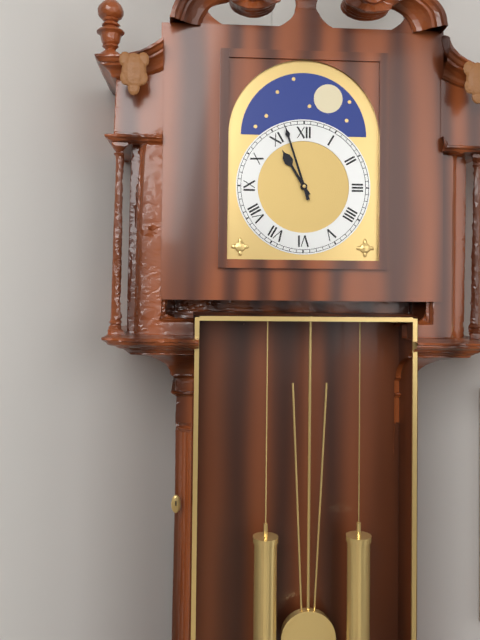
10:57
